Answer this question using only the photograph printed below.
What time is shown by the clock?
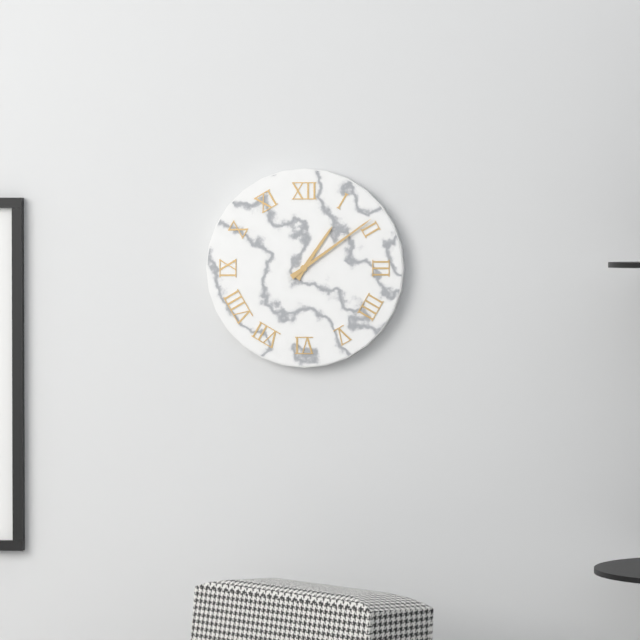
1:09
